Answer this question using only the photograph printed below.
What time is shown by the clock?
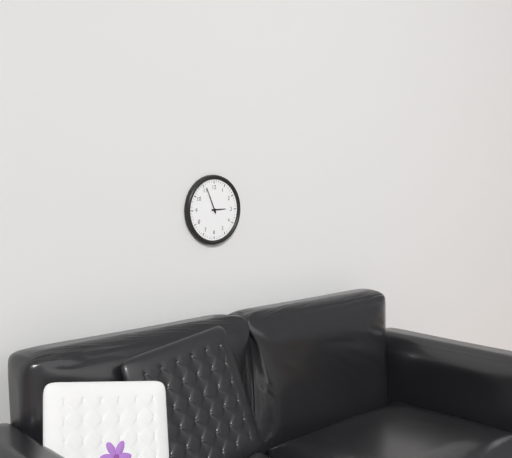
2:56
